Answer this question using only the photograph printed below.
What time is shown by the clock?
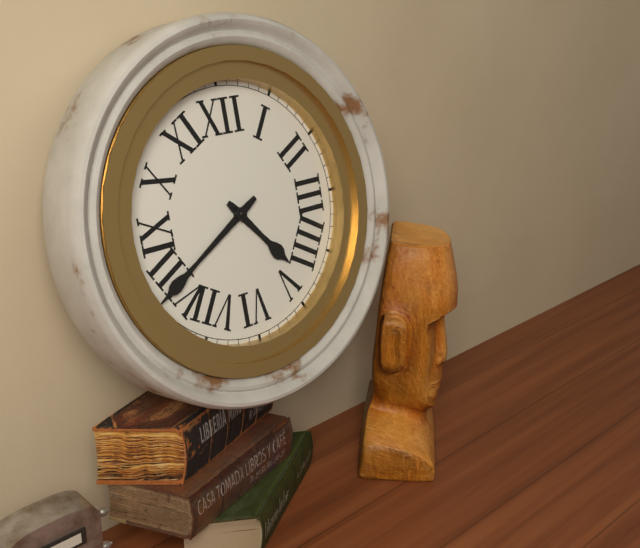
4:40
